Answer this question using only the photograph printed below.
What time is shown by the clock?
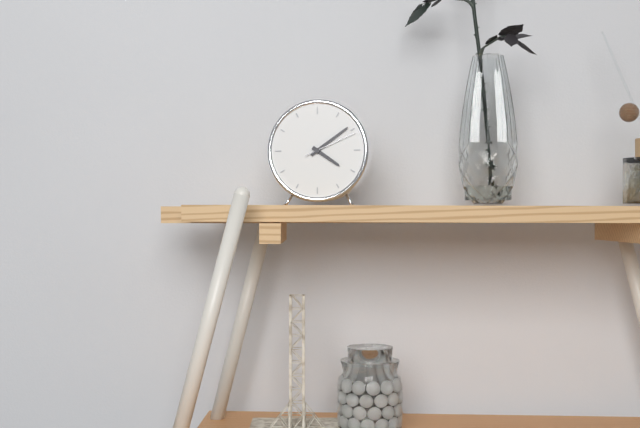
4:09:11
